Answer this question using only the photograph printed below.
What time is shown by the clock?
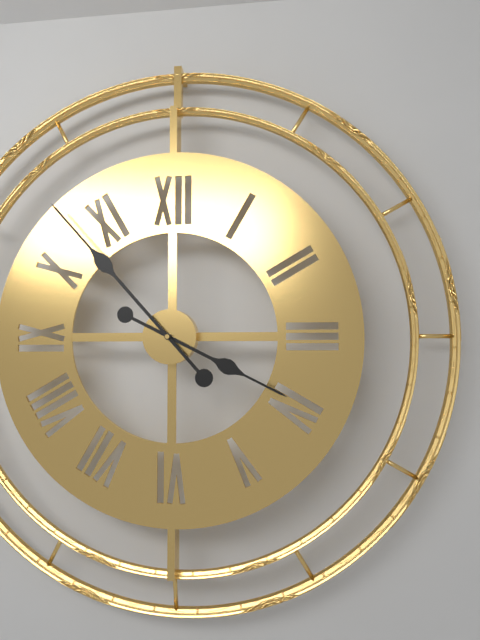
3:53
